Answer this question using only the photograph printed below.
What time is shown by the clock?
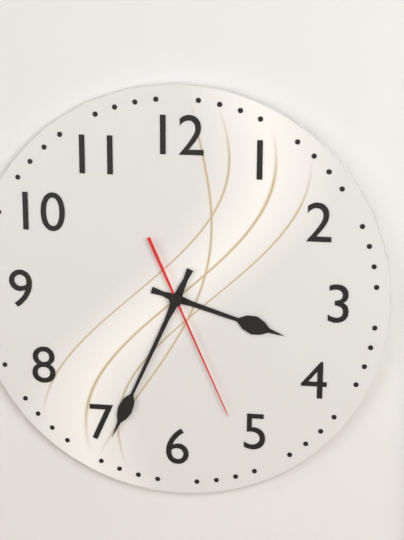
3:34:26
